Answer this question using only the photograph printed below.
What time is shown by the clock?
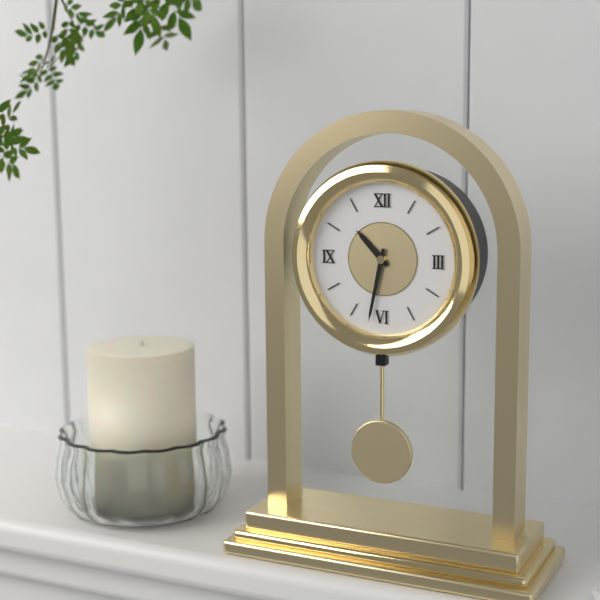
10:32
